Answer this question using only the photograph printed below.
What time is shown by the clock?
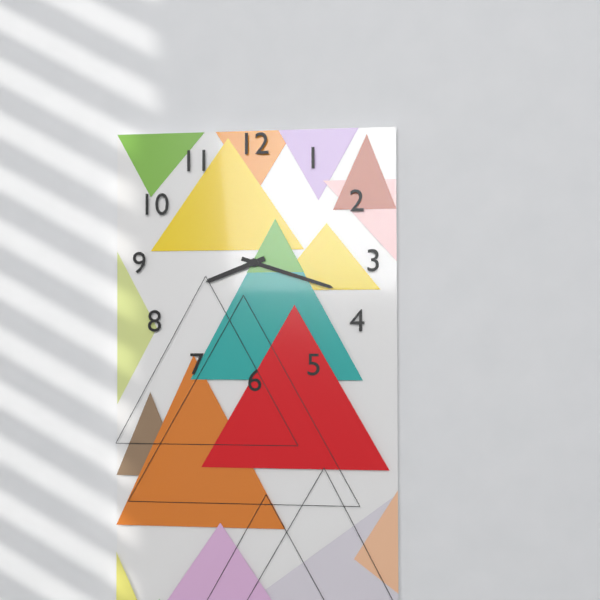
8:18
